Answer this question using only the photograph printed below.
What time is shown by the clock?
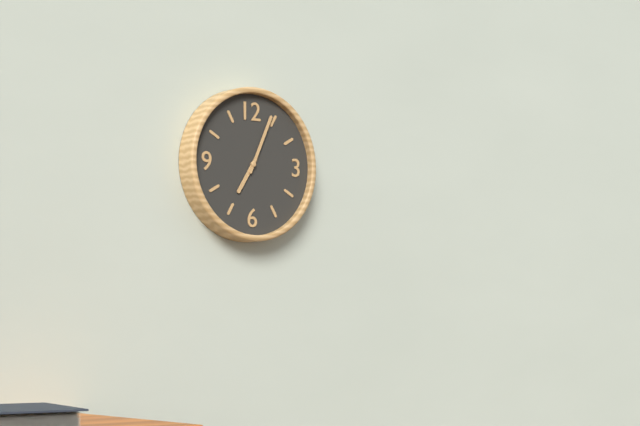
7:04
